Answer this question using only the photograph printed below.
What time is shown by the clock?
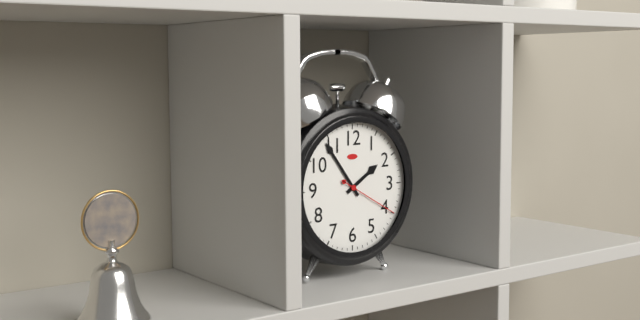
1:54:20
